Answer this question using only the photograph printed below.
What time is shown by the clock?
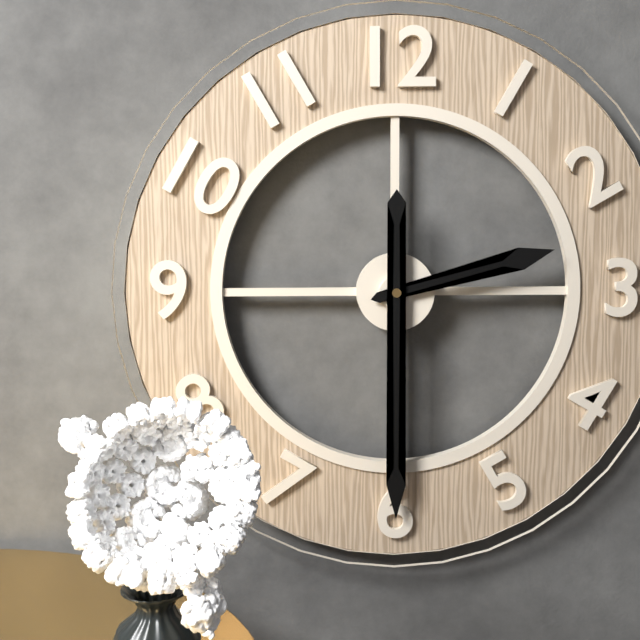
2:30
